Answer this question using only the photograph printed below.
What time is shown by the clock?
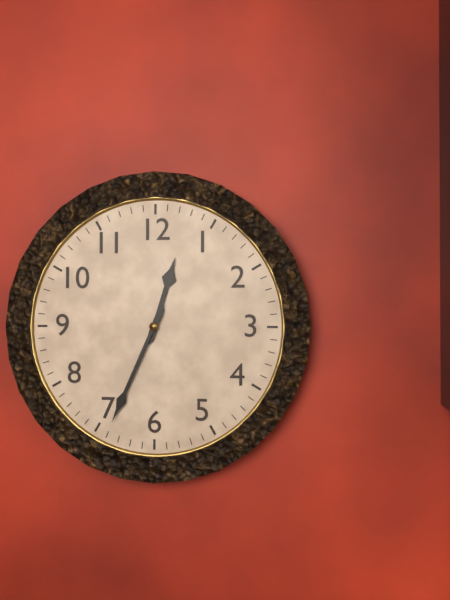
12:34
